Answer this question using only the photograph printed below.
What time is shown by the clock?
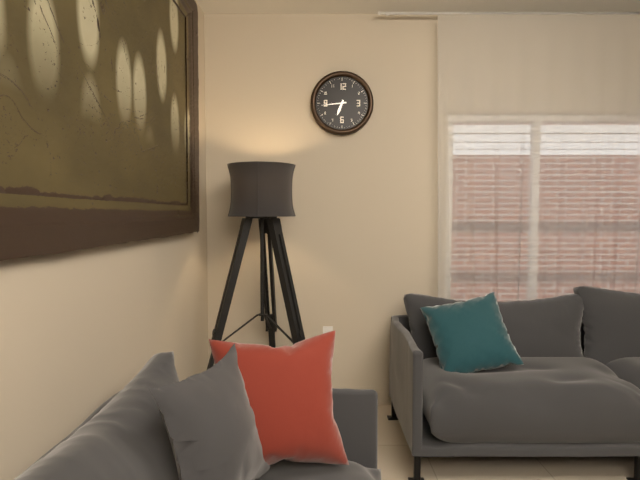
6:44
